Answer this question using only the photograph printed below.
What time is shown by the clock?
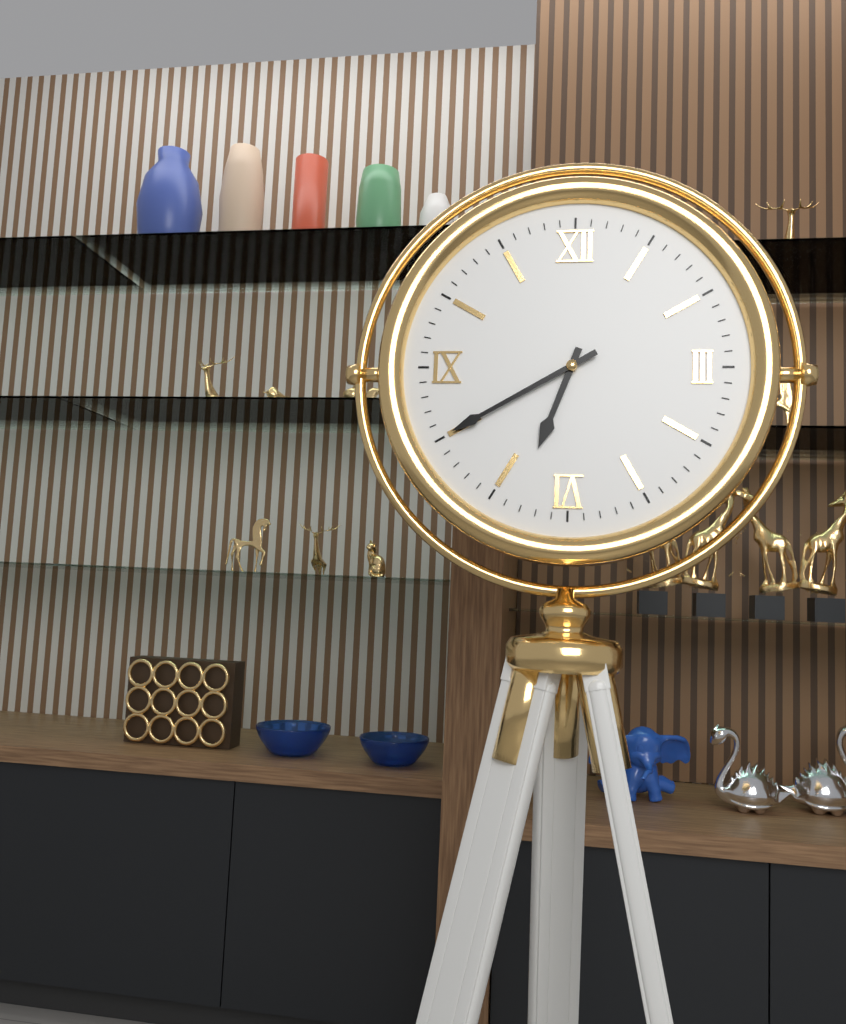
6:40
